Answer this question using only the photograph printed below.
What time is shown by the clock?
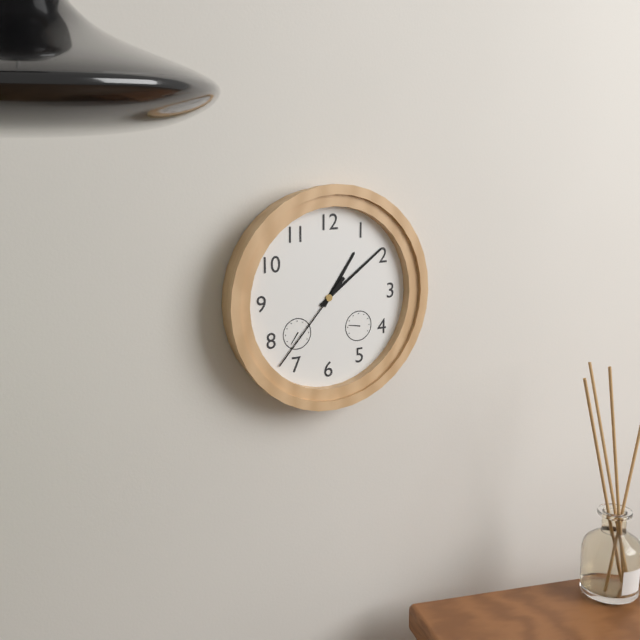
1:09:37
